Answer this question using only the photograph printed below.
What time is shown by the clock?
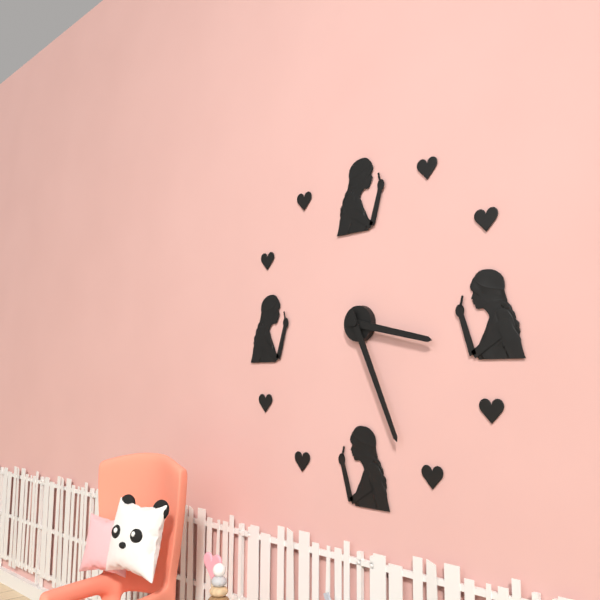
3:26
